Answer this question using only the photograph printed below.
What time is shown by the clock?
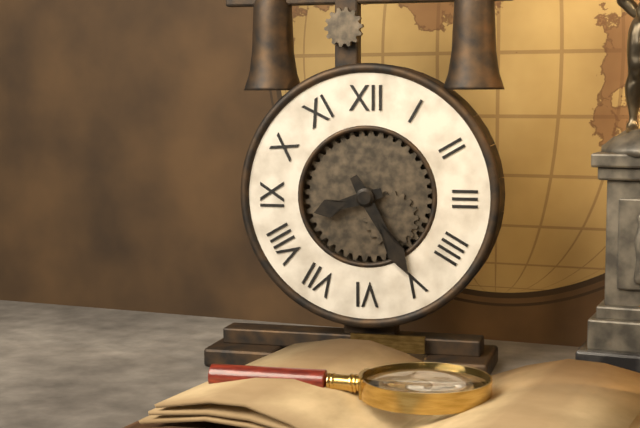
8:25
